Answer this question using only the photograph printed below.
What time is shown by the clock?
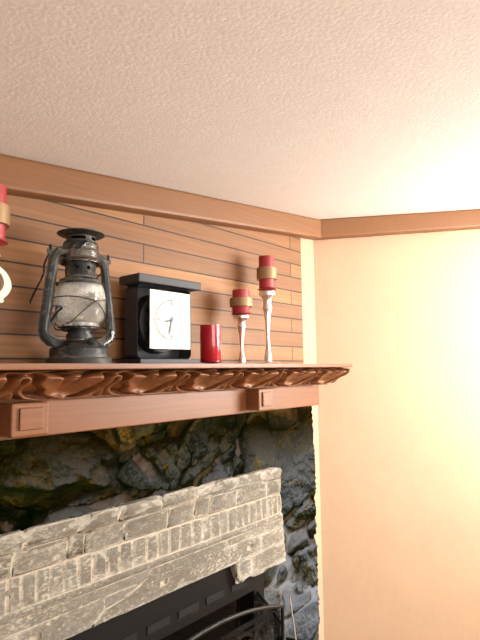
8:32
